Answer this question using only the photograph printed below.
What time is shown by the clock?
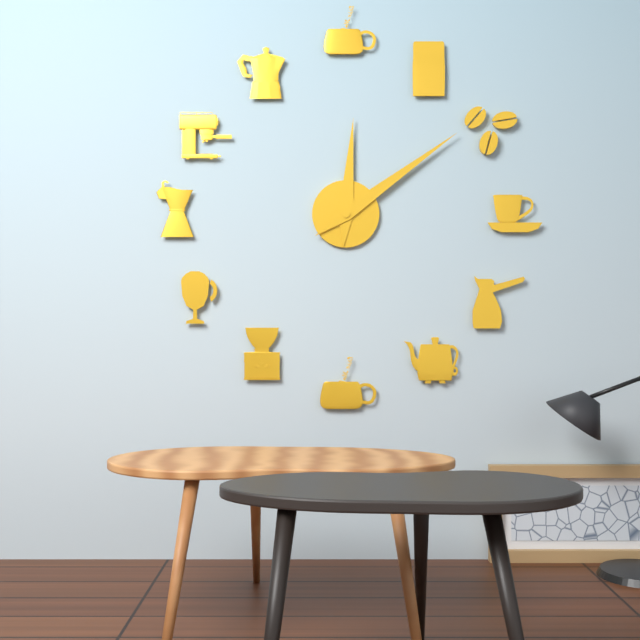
12:09
